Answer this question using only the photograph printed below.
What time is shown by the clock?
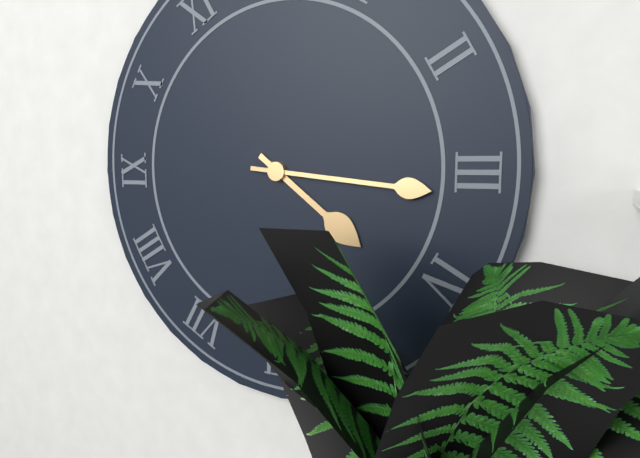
4:16
